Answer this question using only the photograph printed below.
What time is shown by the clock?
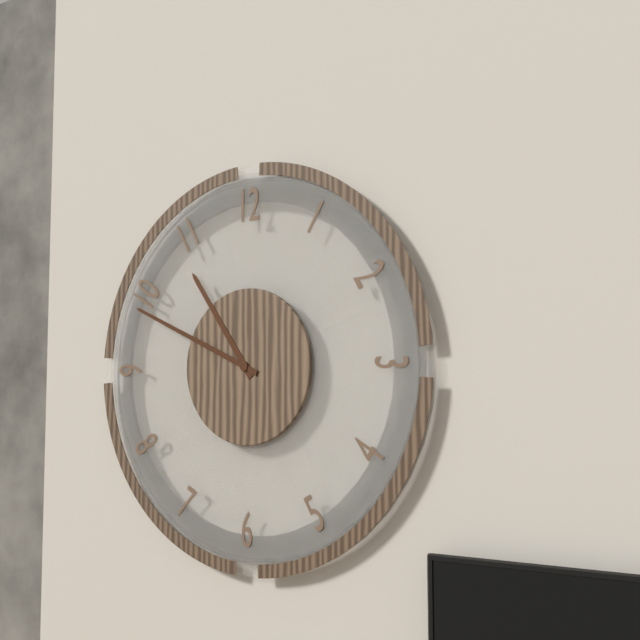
10:49
